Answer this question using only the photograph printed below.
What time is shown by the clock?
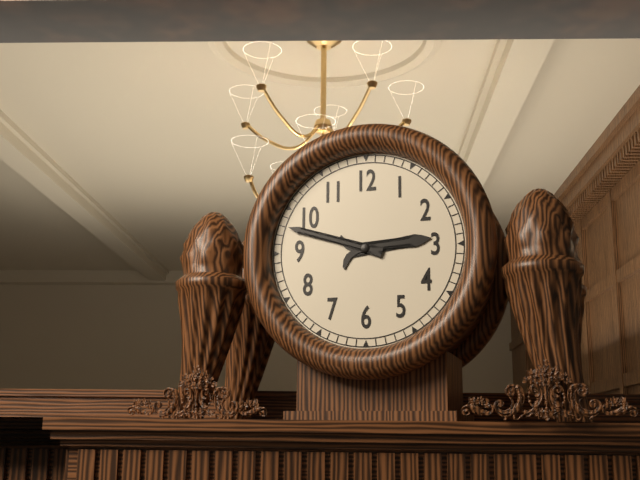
2:48
